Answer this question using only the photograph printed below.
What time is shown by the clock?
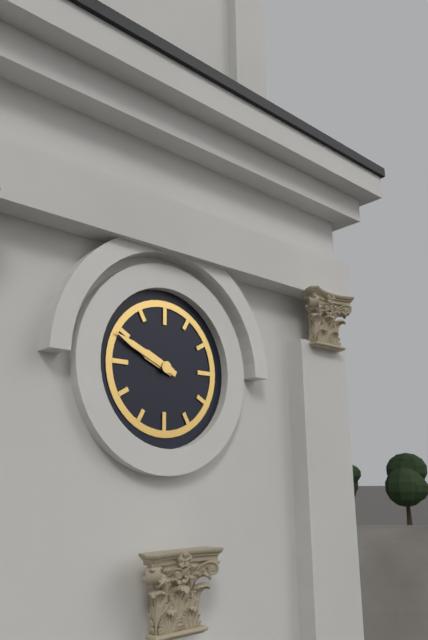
9:49
